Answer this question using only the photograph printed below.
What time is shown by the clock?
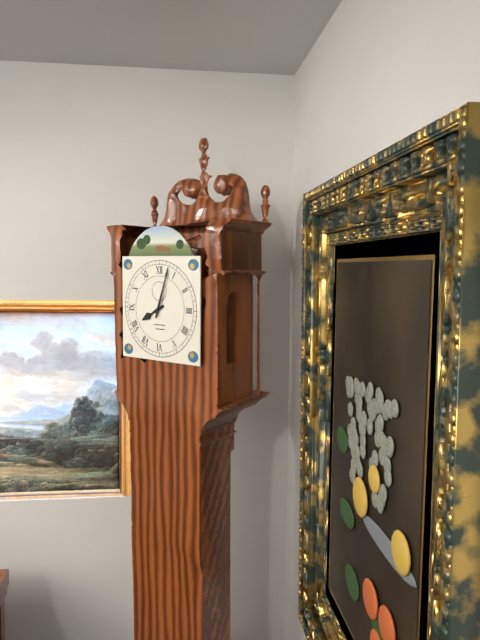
8:03
